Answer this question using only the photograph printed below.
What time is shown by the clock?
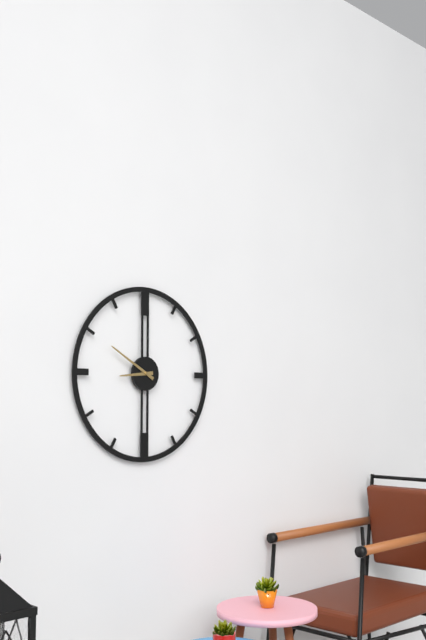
8:50
